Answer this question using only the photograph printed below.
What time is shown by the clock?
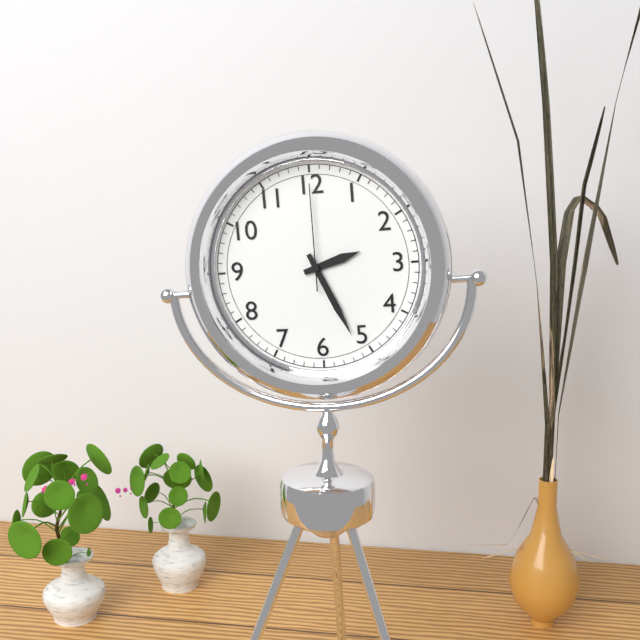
2:26:00
